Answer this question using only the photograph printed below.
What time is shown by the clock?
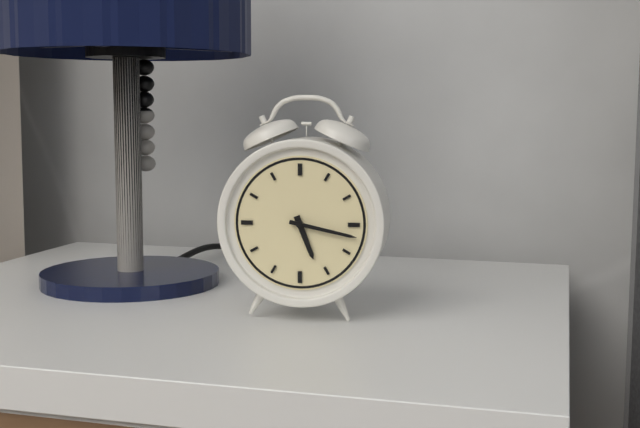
5:17
